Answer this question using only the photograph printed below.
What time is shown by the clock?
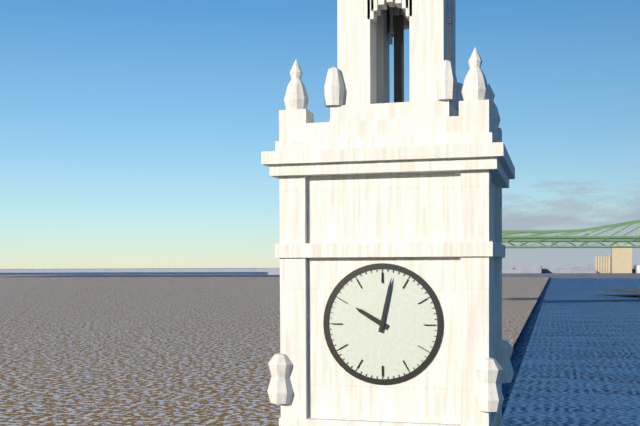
10:02
